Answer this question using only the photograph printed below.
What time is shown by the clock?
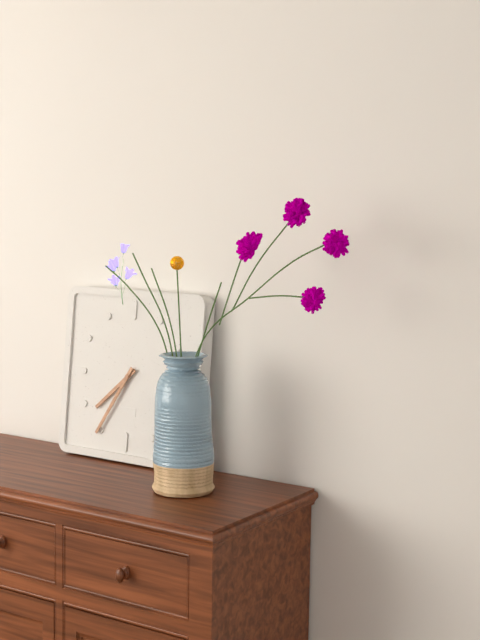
7:35
